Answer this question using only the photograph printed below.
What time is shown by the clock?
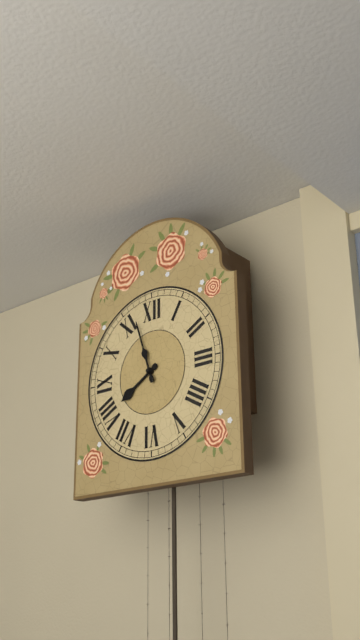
7:57
